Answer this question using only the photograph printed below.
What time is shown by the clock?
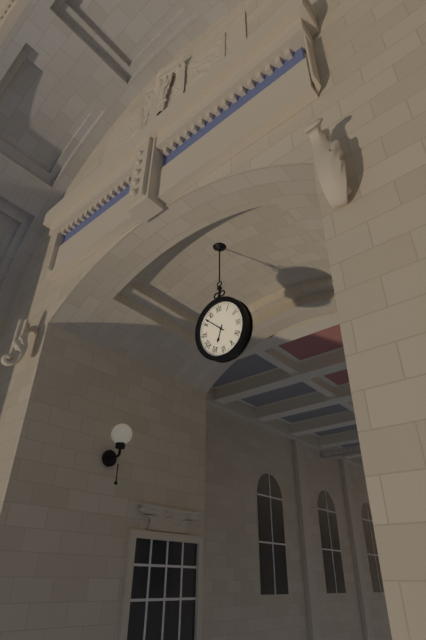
6:52
